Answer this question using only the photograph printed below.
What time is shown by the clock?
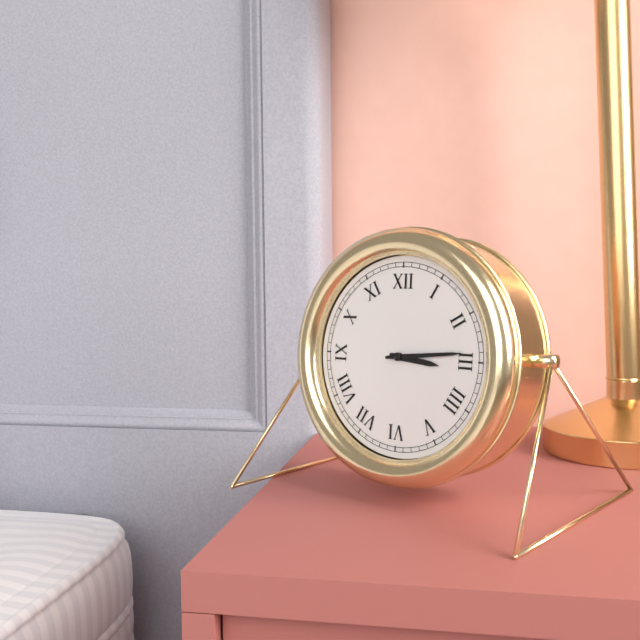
3:14
